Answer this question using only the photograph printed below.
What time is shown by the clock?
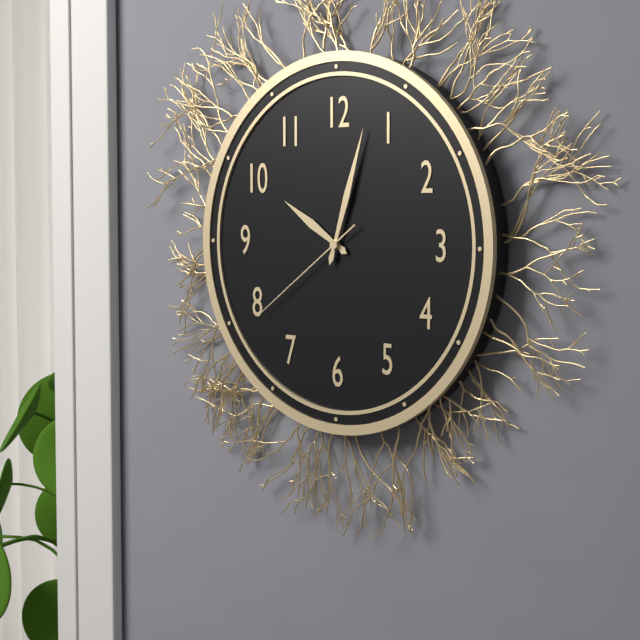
10:03:39
